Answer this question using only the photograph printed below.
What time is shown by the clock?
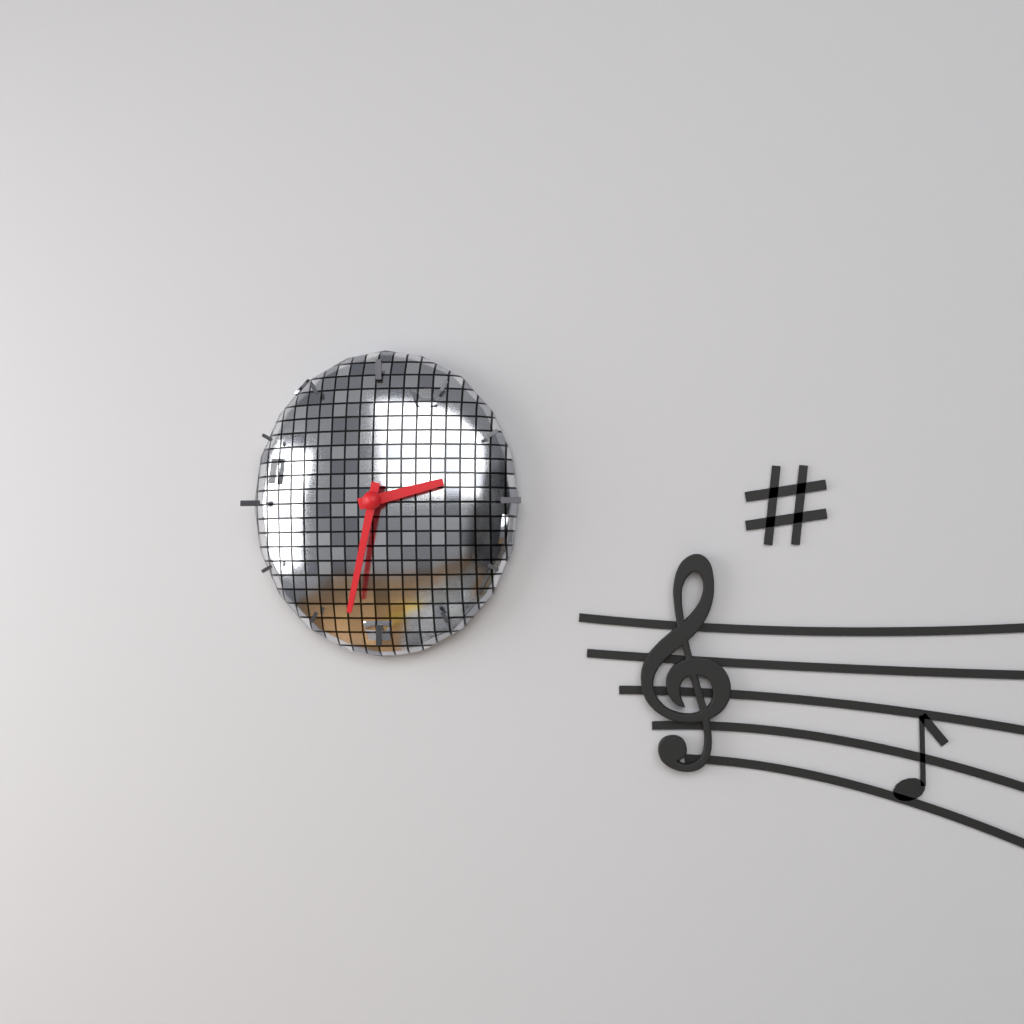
2:32
